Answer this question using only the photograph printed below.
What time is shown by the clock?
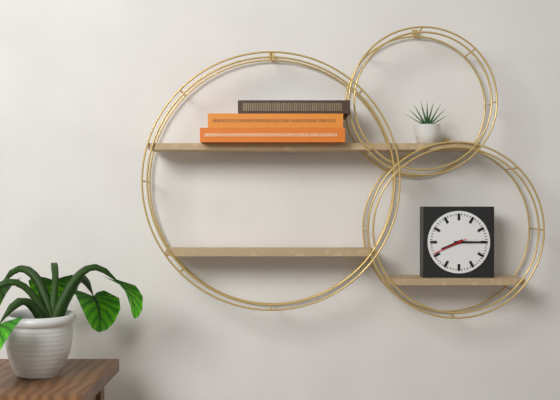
8:15
